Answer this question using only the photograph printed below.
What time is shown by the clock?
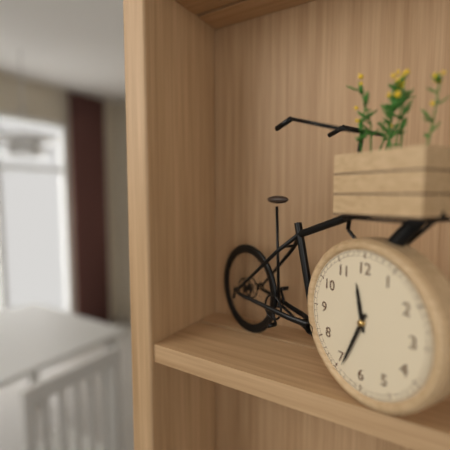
11:34
